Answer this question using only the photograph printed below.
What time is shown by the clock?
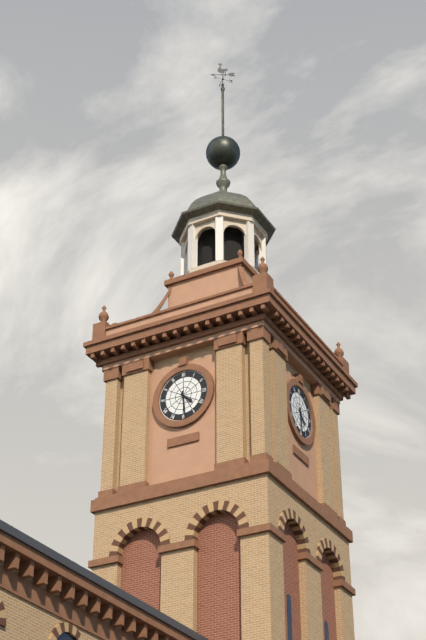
4:29
